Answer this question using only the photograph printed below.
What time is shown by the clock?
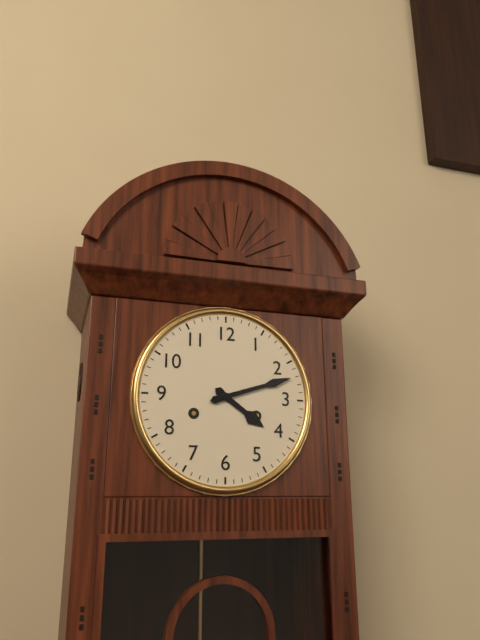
4:12
